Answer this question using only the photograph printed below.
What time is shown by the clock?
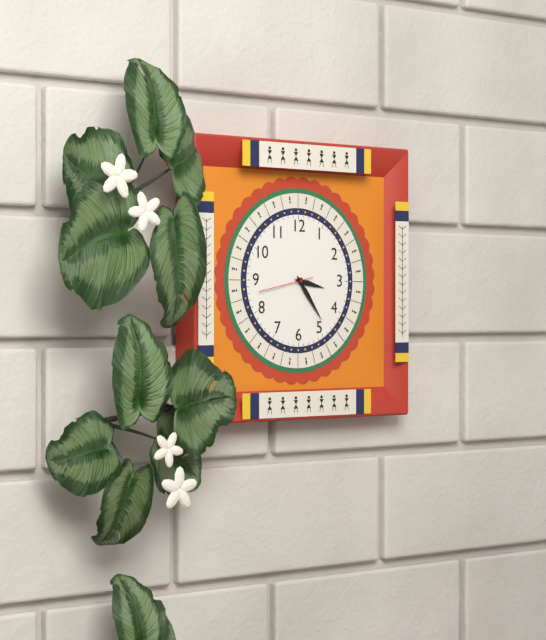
3:24:43
